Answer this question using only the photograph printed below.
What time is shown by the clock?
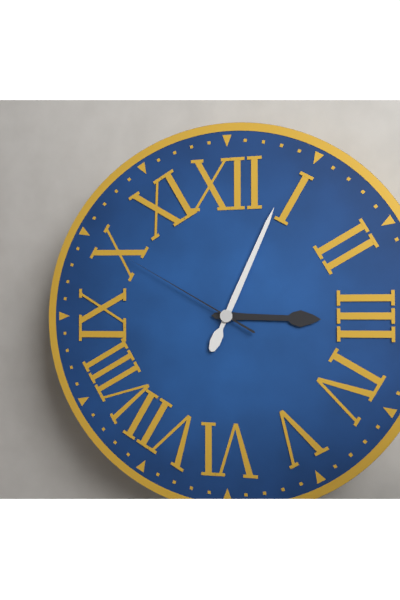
3:04:50
